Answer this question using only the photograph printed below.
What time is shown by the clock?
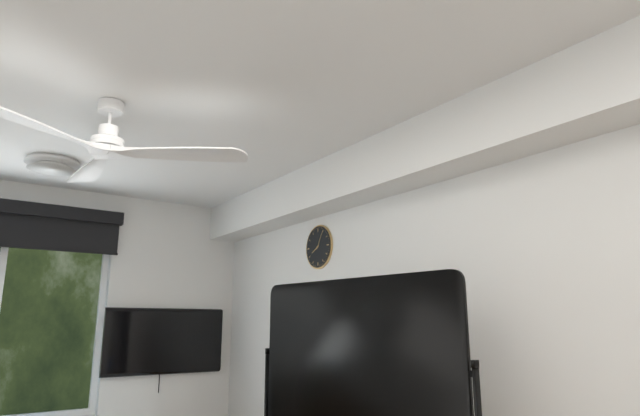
8:05
